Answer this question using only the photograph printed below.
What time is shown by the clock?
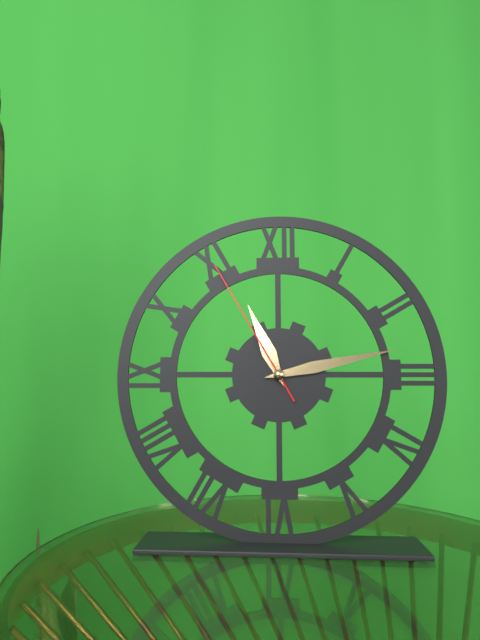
11:13:55
